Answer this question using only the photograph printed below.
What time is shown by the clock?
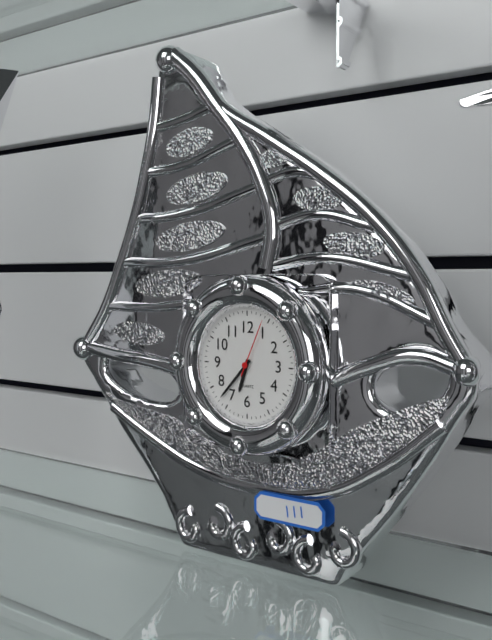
6:37:04
